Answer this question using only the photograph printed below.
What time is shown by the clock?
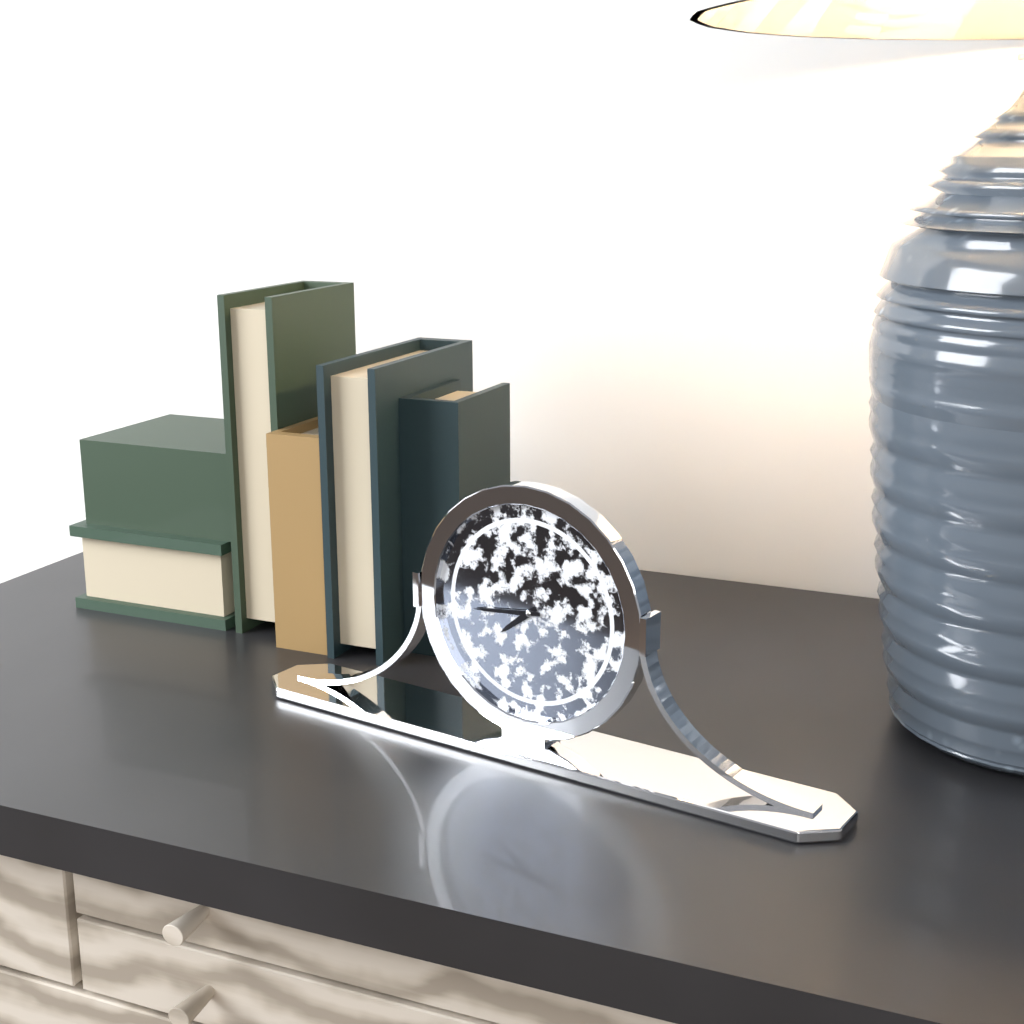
7:44
